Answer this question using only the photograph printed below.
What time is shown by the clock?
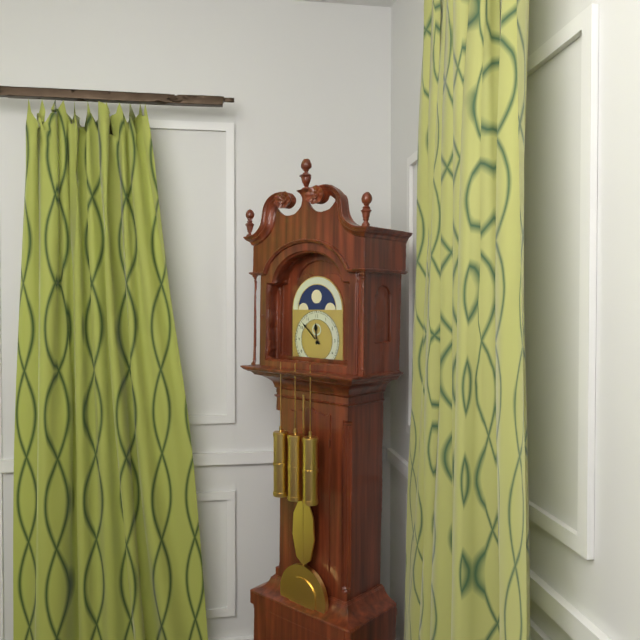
11:52
